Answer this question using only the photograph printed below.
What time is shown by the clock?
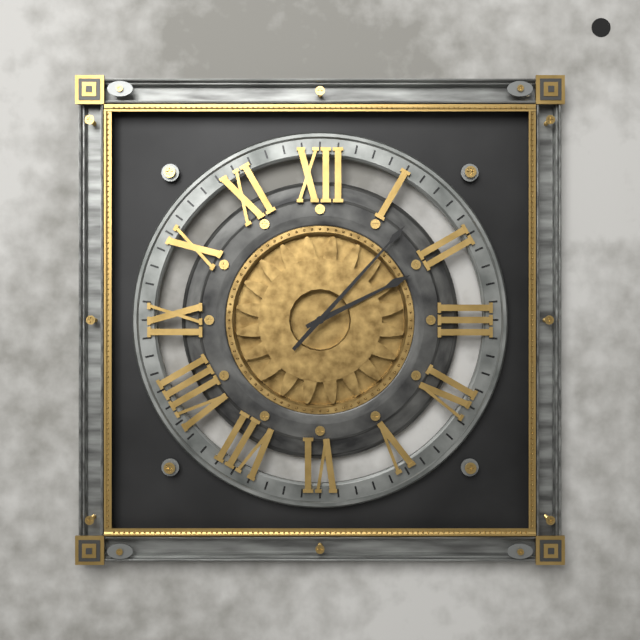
2:07
